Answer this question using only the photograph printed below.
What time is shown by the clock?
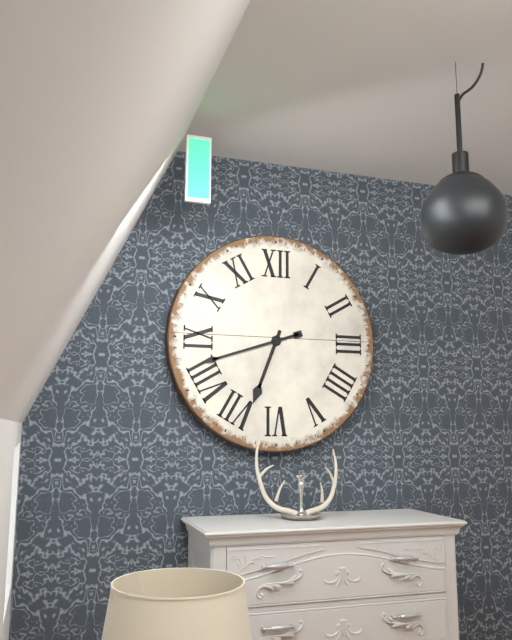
6:42
